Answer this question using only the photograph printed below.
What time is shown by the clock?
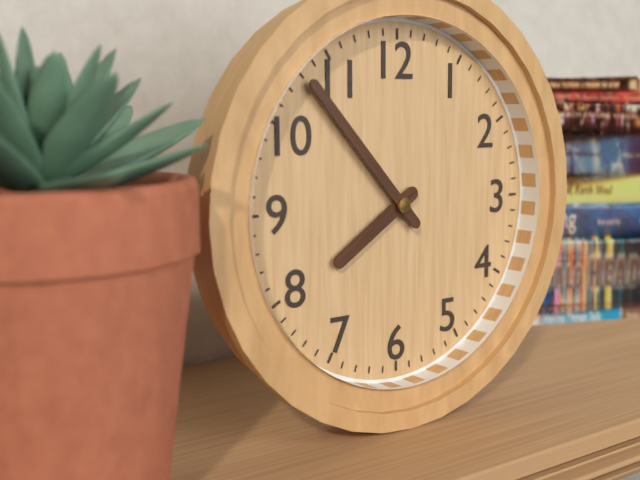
7:53
